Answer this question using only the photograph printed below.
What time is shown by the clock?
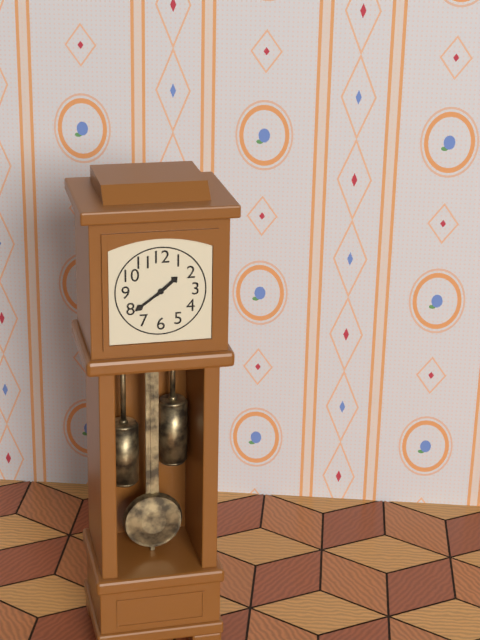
1:39
